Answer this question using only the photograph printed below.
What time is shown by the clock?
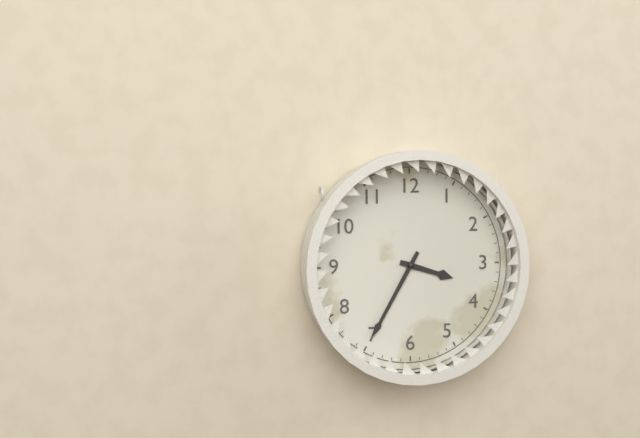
3:35
